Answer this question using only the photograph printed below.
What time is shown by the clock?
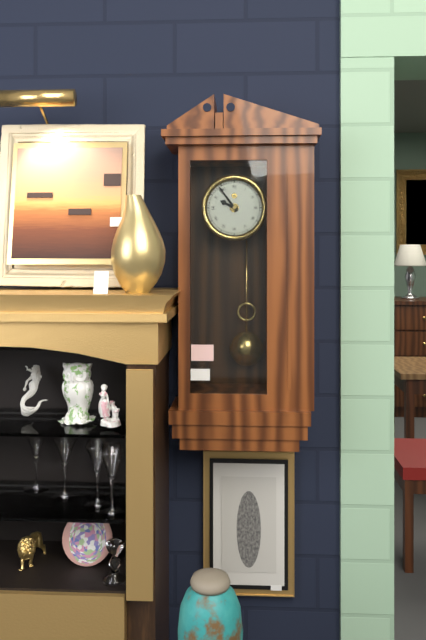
9:54
